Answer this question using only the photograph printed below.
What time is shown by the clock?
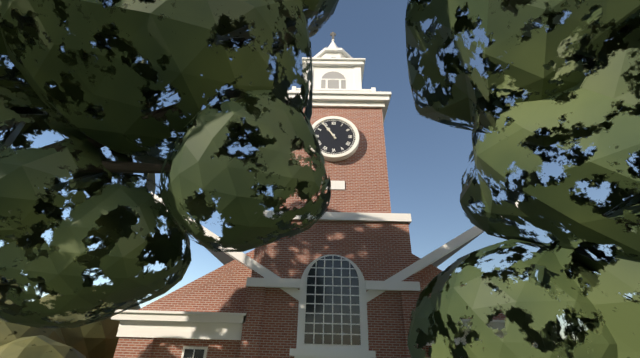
10:54
